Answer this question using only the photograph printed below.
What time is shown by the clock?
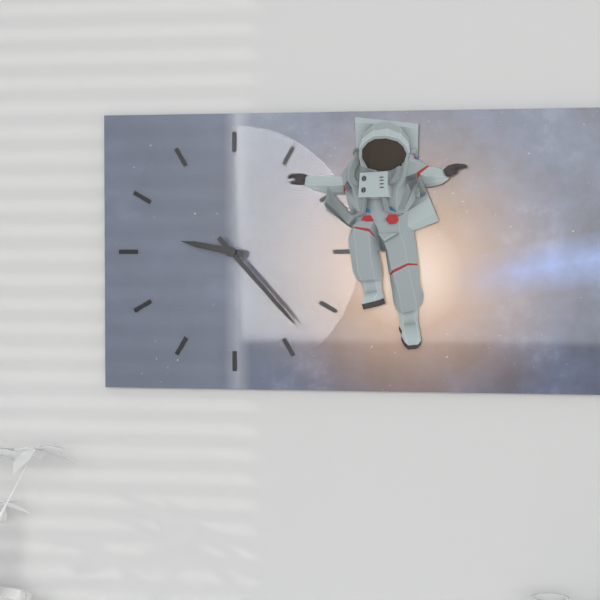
9:23
